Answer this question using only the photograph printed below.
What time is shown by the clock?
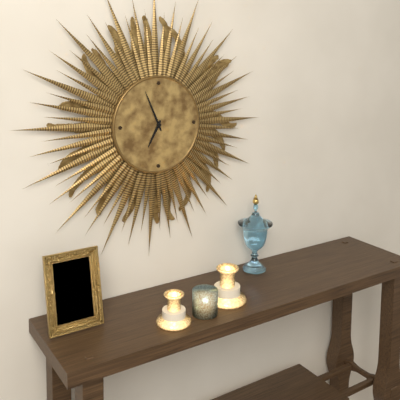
6:56
